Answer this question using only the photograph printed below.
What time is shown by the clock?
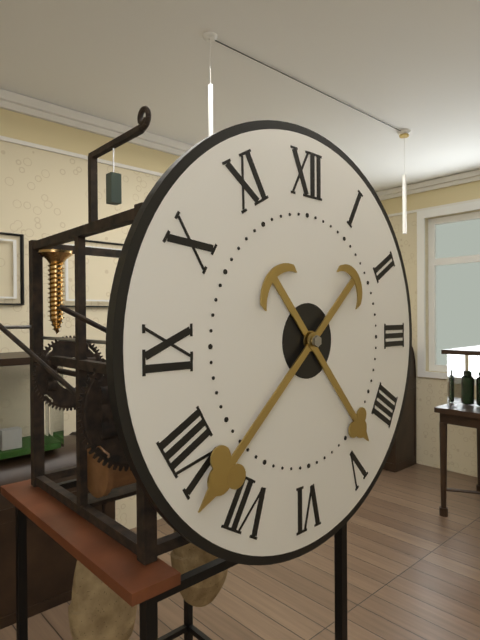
4:38
